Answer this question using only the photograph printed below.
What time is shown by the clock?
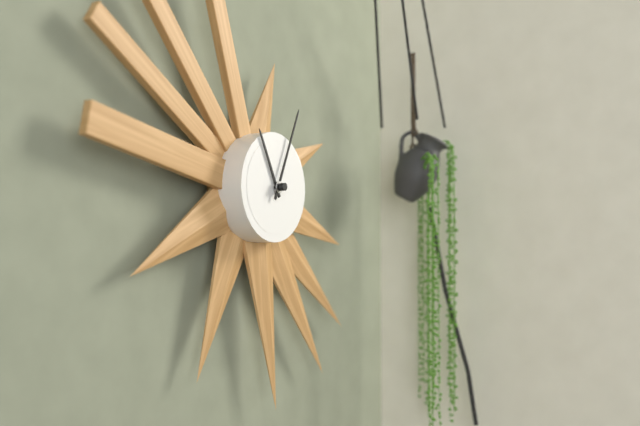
11:04
